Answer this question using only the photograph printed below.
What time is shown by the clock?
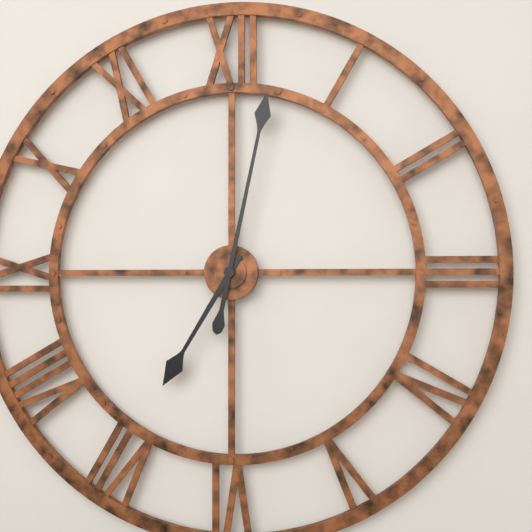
7:02
